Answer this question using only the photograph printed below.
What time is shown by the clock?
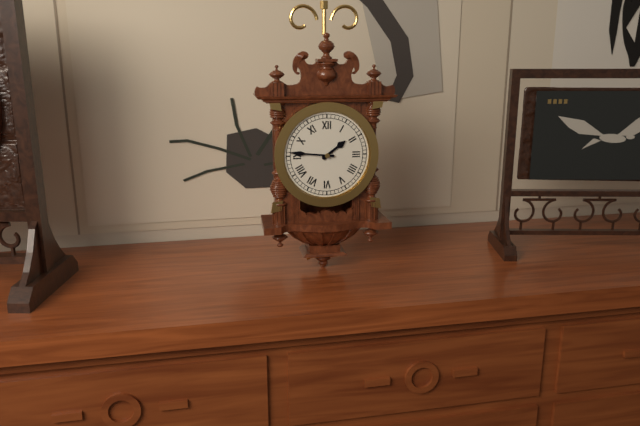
1:46
